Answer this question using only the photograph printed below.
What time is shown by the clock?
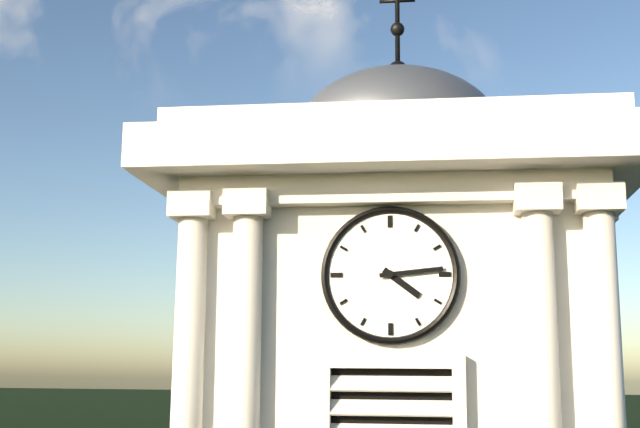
4:14
